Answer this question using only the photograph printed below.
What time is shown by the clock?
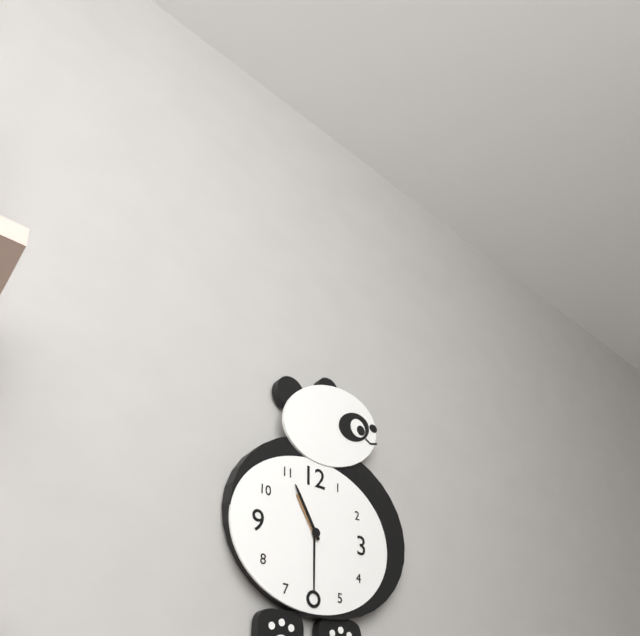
10:55
